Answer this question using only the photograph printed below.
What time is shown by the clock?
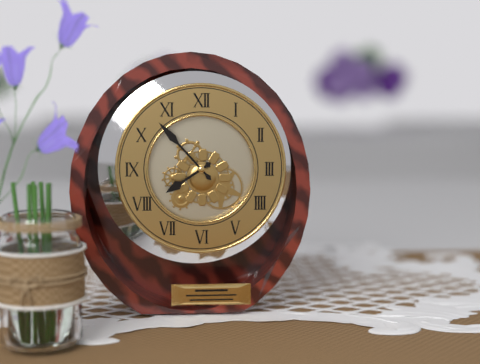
7:53
